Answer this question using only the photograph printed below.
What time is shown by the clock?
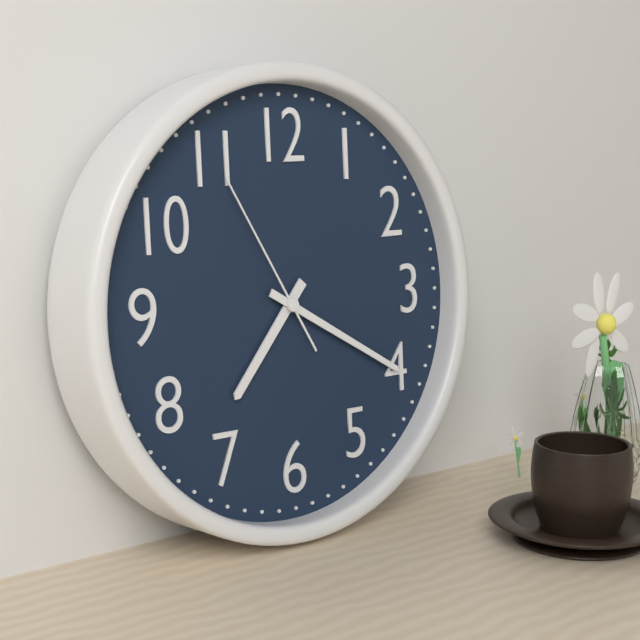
7:20:55
